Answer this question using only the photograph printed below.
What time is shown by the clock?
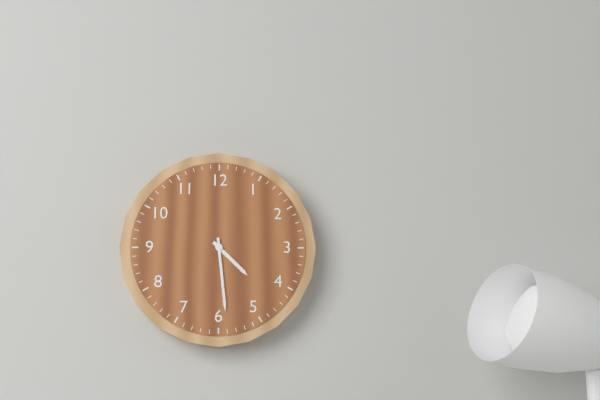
4:29
